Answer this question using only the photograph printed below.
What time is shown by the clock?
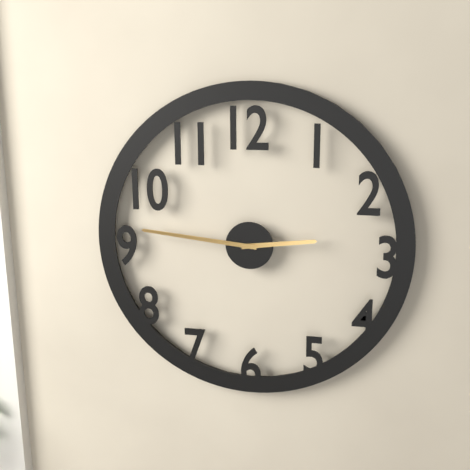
2:46
